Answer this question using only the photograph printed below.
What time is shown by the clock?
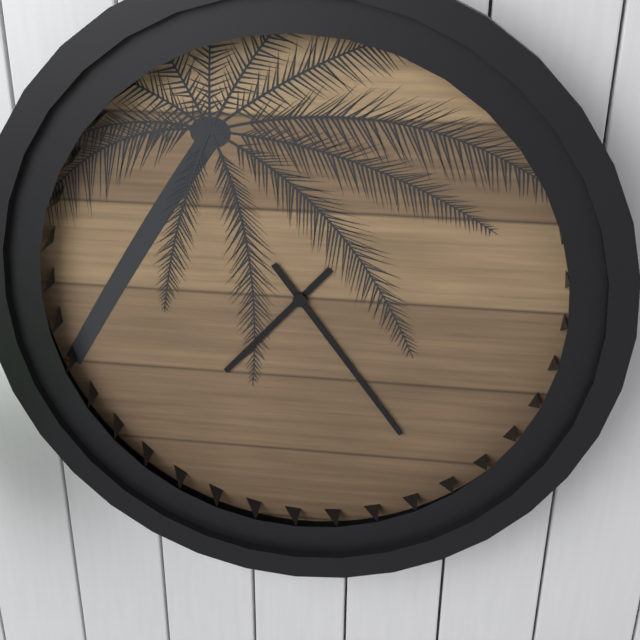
7:24
